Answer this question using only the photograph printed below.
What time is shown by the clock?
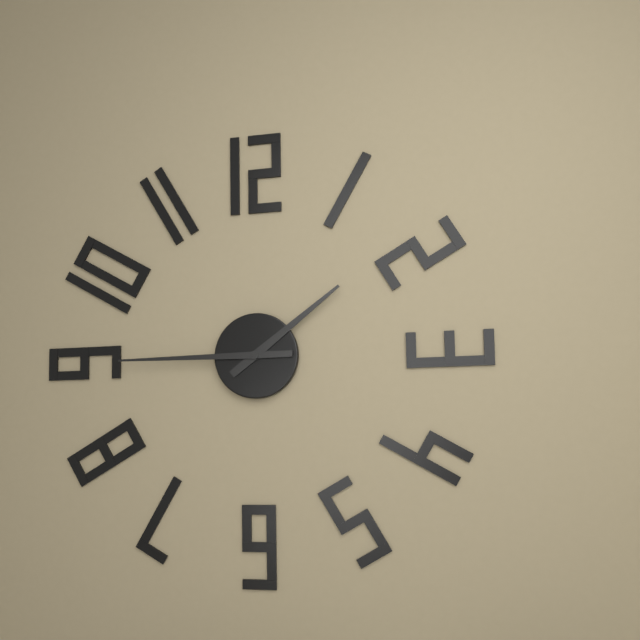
1:45
